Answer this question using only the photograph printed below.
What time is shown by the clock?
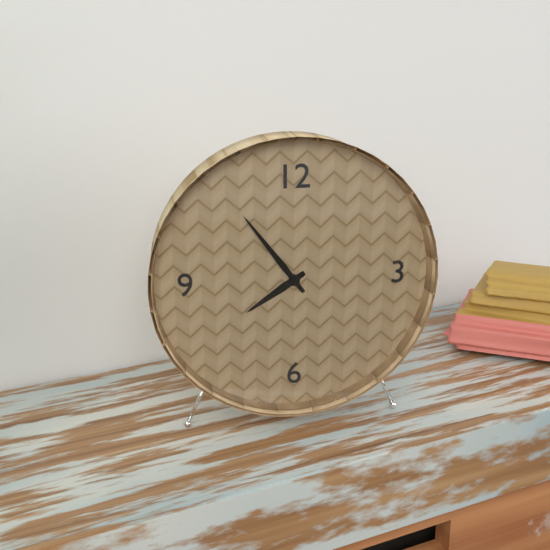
7:54
